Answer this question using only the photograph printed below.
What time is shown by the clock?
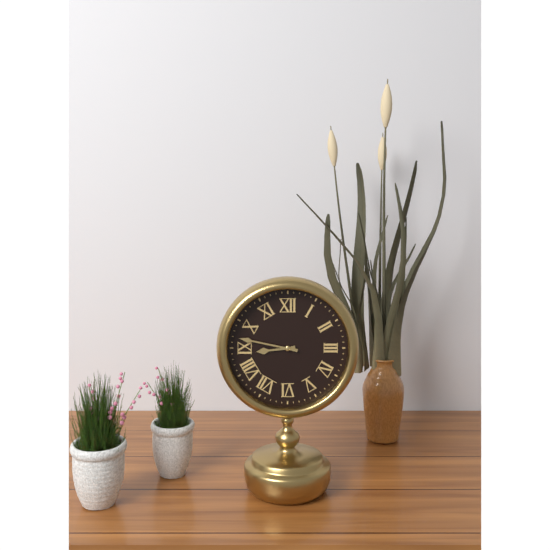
8:47
